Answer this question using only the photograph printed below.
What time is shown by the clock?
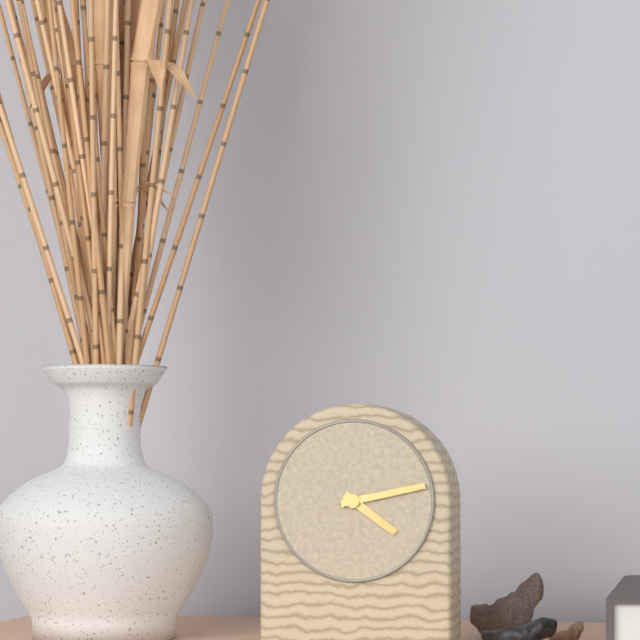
4:13
